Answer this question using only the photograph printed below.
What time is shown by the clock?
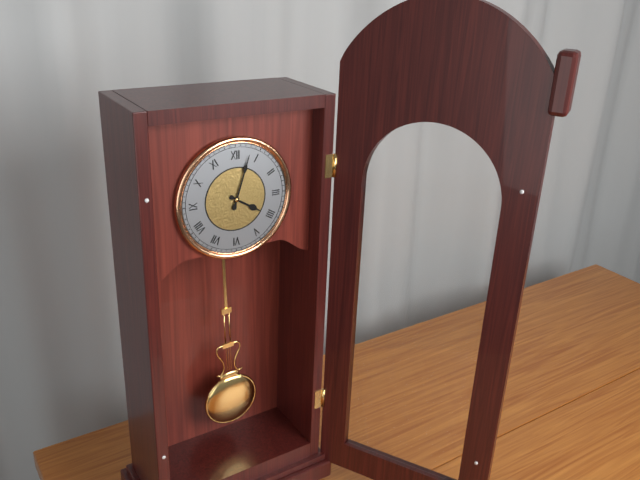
4:03
